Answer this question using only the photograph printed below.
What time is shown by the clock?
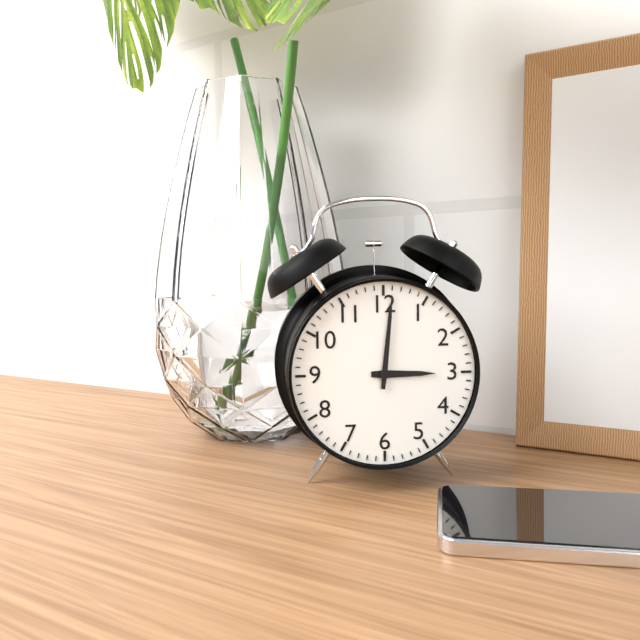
3:01
